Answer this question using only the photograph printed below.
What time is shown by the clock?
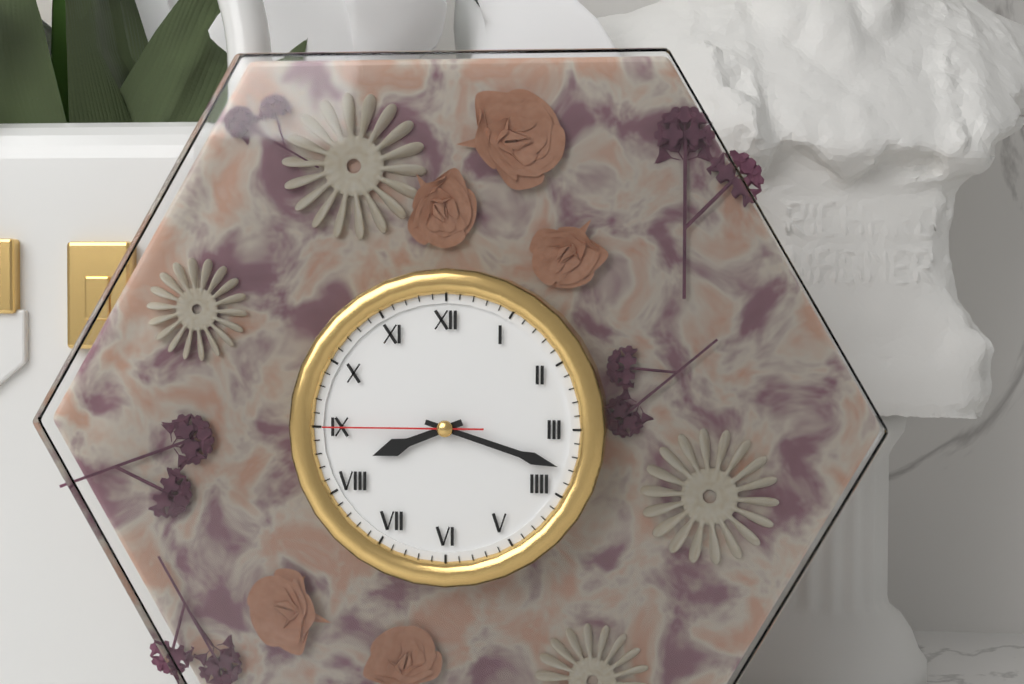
8:18:45
